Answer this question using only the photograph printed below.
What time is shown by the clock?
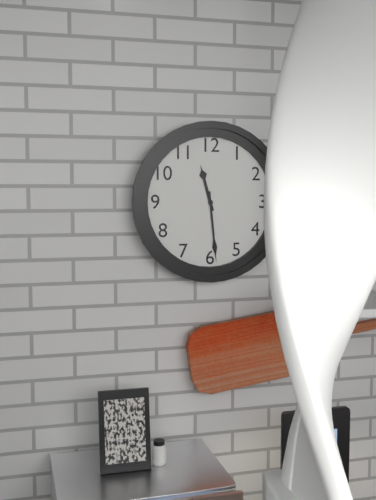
11:29
